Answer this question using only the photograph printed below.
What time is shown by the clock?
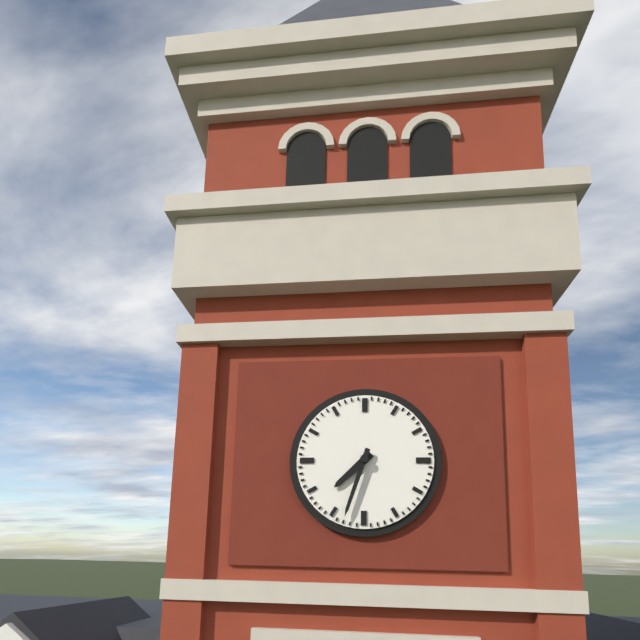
7:33
